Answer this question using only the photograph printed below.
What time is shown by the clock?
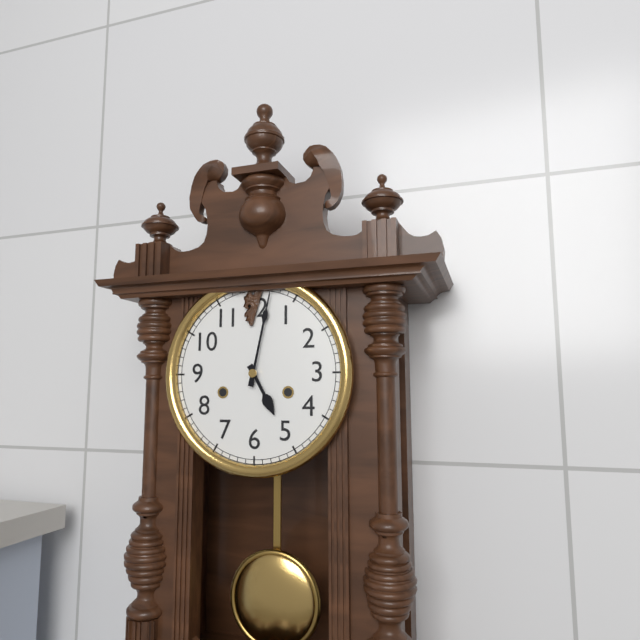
5:02
